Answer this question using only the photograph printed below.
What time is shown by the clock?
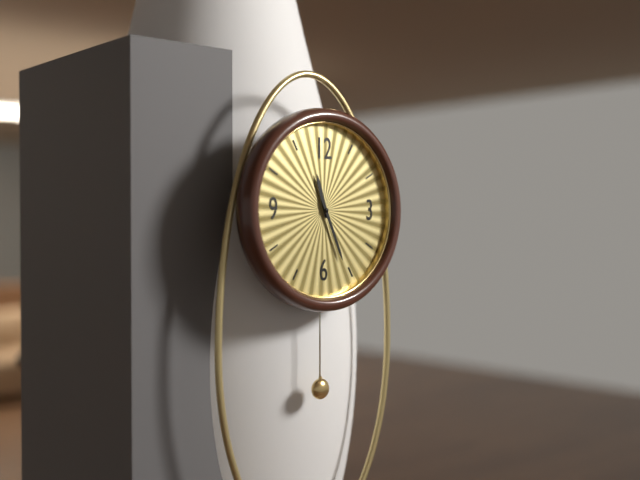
11:26
